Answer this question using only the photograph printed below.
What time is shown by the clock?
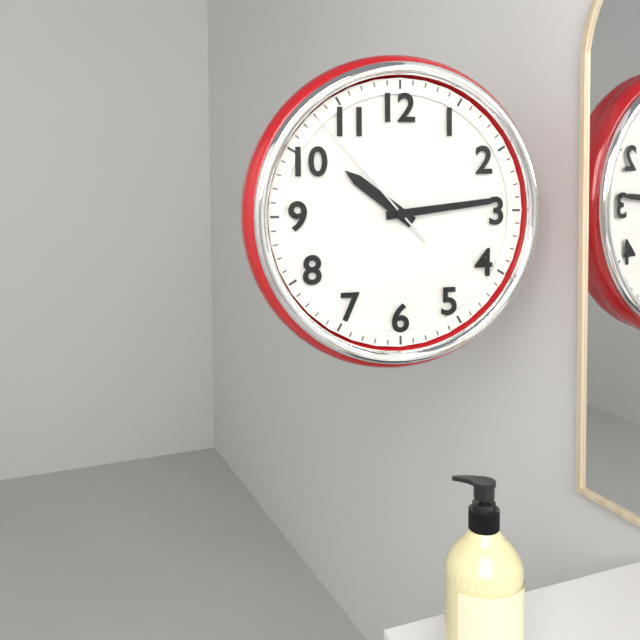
10:14:53
